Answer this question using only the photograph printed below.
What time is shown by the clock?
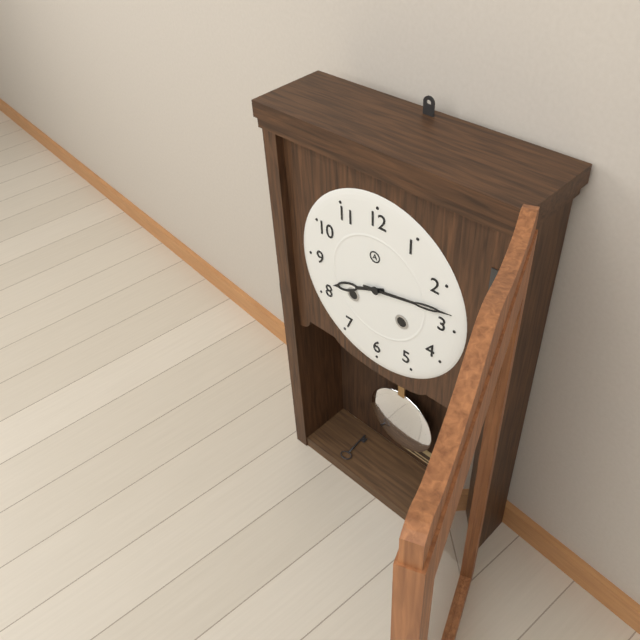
8:13
